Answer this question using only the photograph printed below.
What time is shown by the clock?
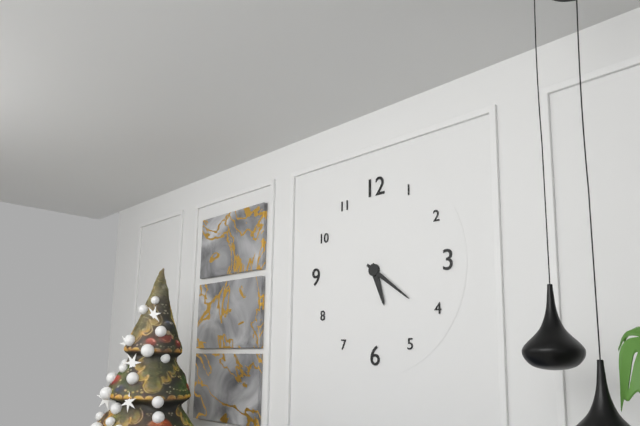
5:21
